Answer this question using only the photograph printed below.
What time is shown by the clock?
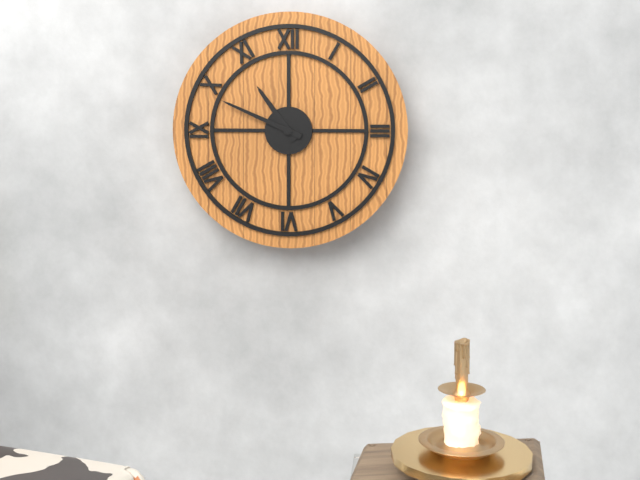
10:49
